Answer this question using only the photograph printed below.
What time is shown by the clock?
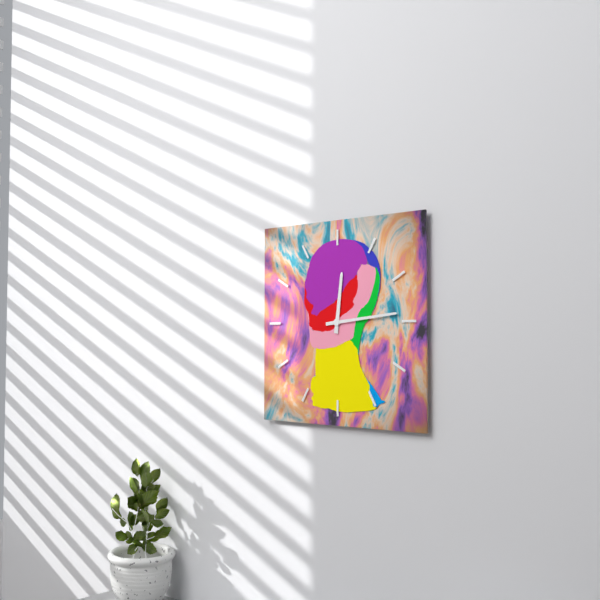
12:14
